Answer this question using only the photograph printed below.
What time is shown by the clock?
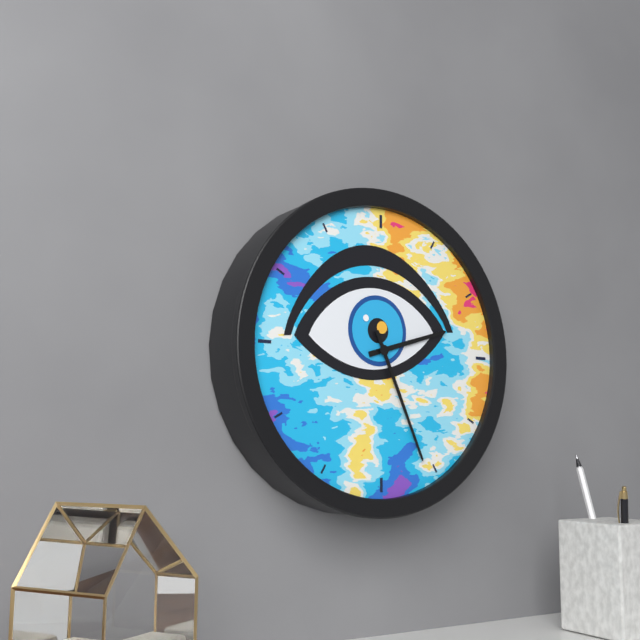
2:26
